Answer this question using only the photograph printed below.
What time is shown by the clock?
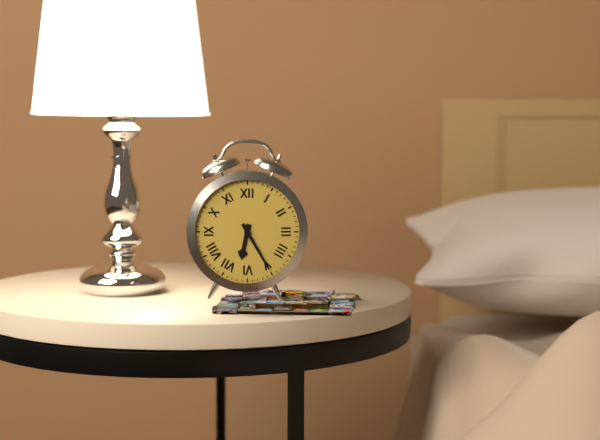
6:25
